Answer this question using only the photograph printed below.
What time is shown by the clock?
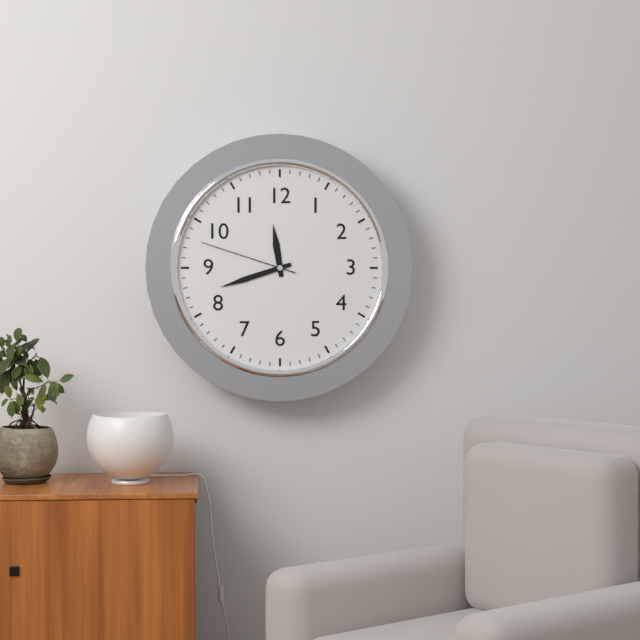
11:42:48
